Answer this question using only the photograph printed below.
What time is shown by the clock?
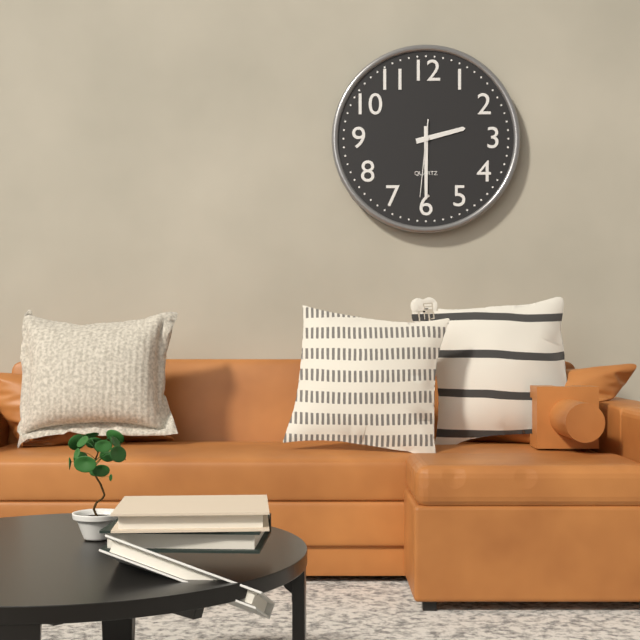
2:30:31
